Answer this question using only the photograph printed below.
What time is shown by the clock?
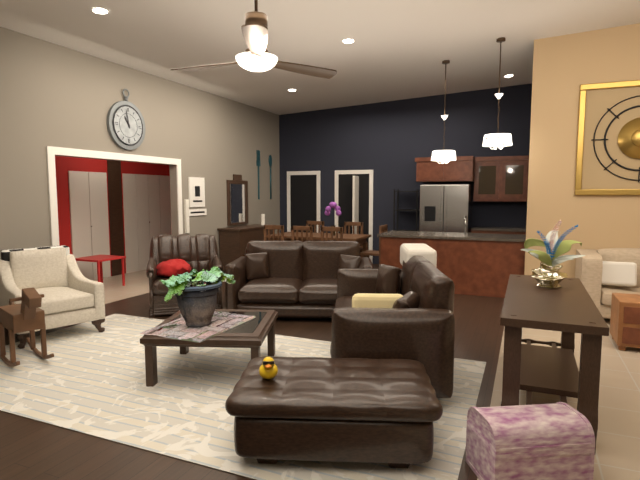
10:58
